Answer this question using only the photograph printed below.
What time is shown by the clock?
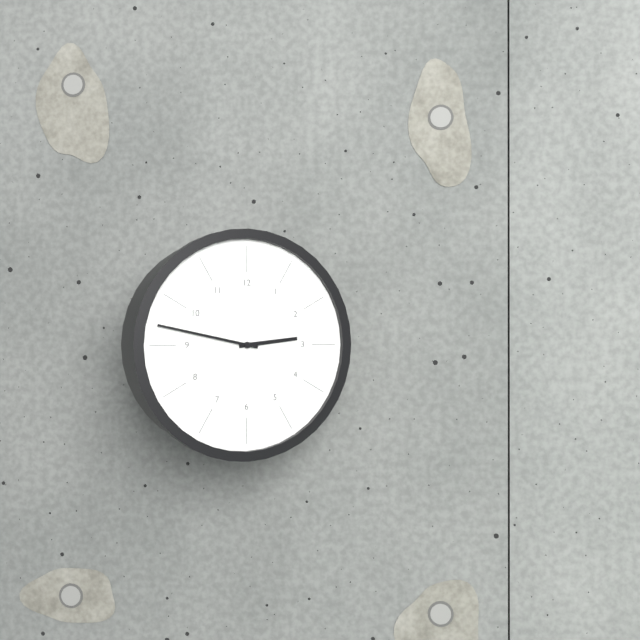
2:47
